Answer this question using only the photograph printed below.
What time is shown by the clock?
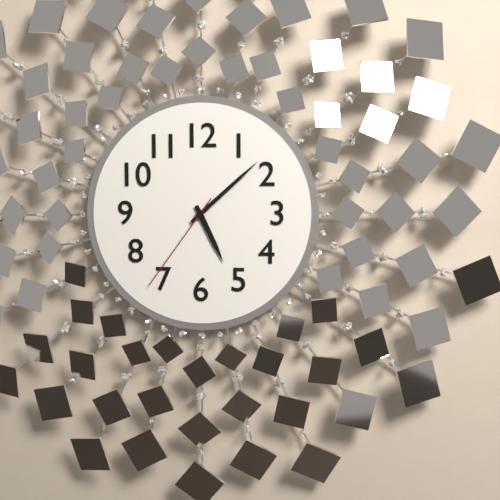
5:08:36
